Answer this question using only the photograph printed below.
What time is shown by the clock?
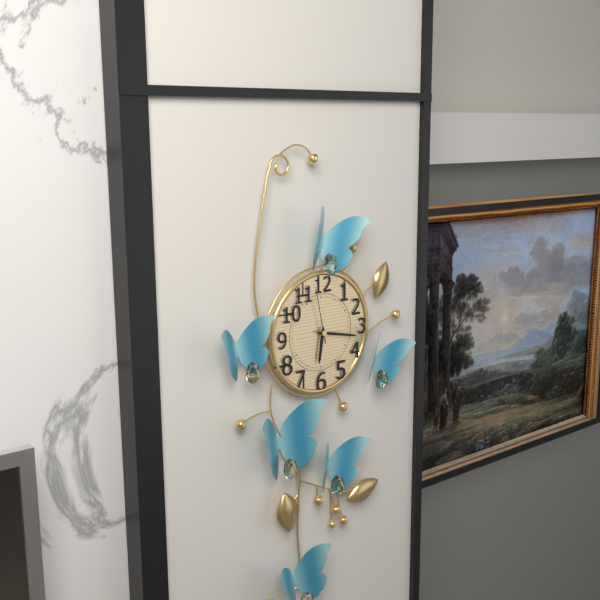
6:17:58
